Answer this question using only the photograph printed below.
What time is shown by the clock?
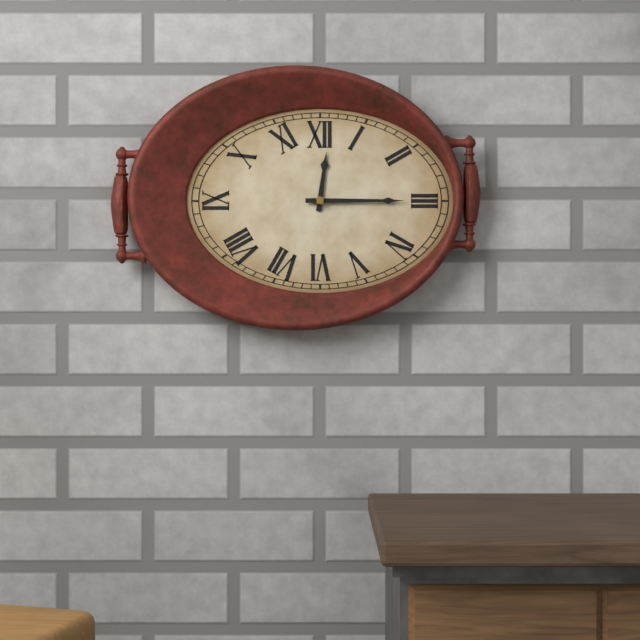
12:15
